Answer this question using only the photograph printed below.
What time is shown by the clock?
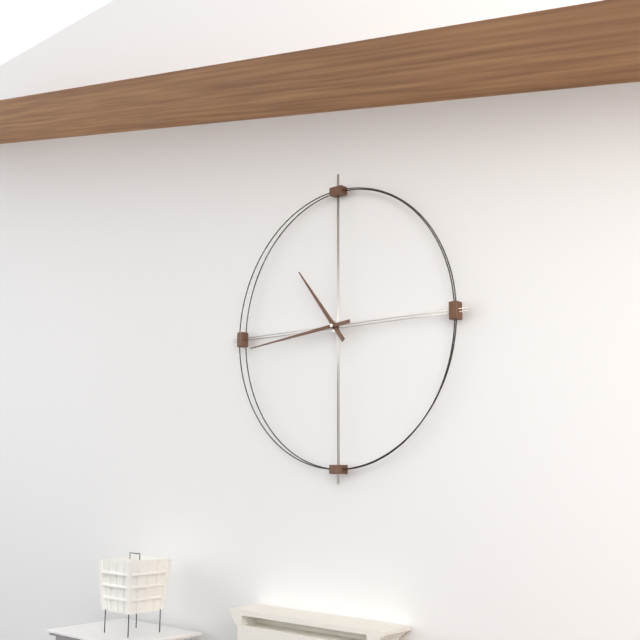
10:44
